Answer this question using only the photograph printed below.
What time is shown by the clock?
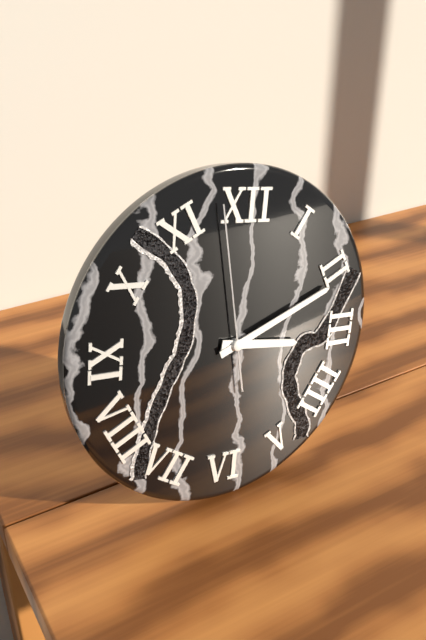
3:11:58
